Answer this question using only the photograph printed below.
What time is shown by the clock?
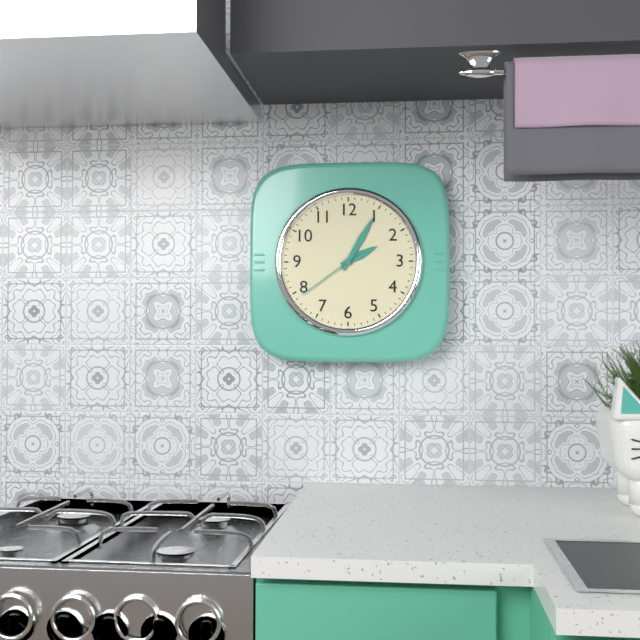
2:05:39
